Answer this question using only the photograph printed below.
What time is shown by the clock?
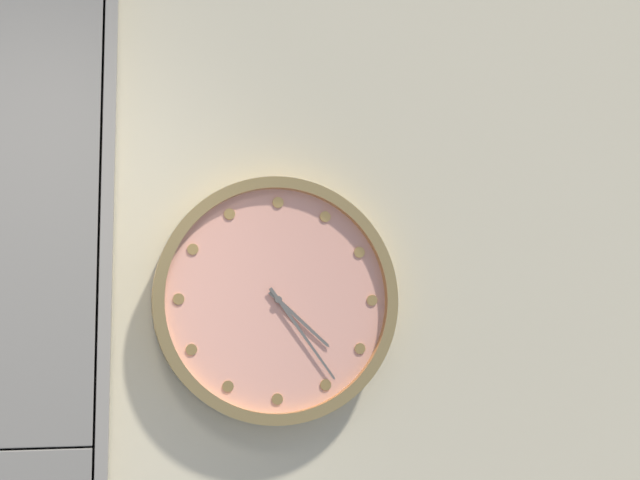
4:24
